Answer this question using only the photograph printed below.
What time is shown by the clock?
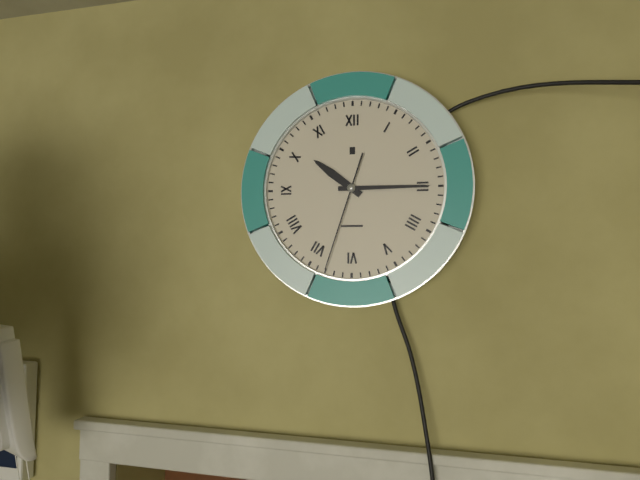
10:15:33
